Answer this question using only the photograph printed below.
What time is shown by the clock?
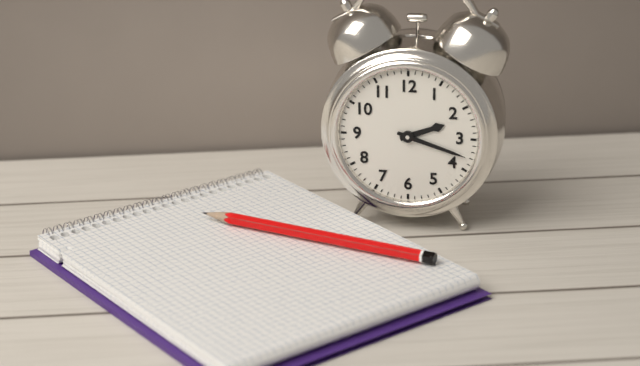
2:18
